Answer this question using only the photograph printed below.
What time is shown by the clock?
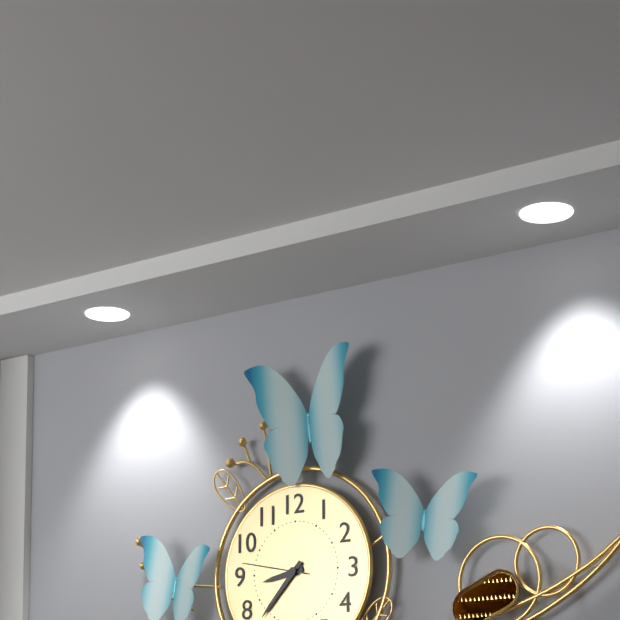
8:37:47
